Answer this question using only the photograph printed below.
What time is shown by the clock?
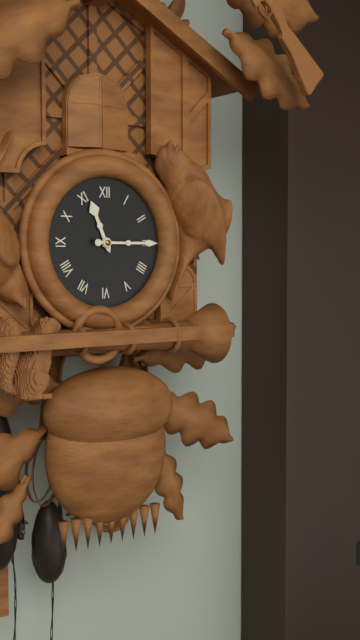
11:15
